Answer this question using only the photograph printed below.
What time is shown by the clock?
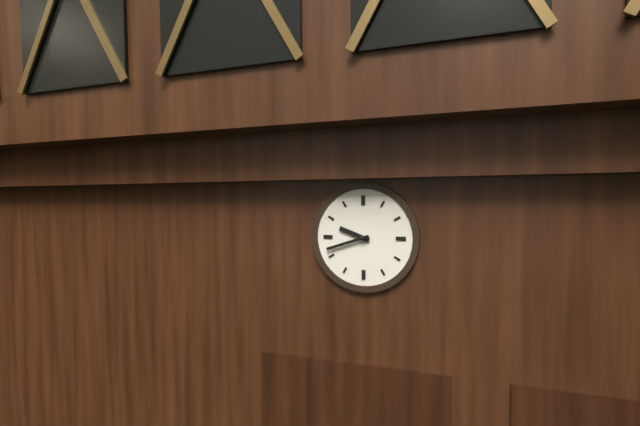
9:42
